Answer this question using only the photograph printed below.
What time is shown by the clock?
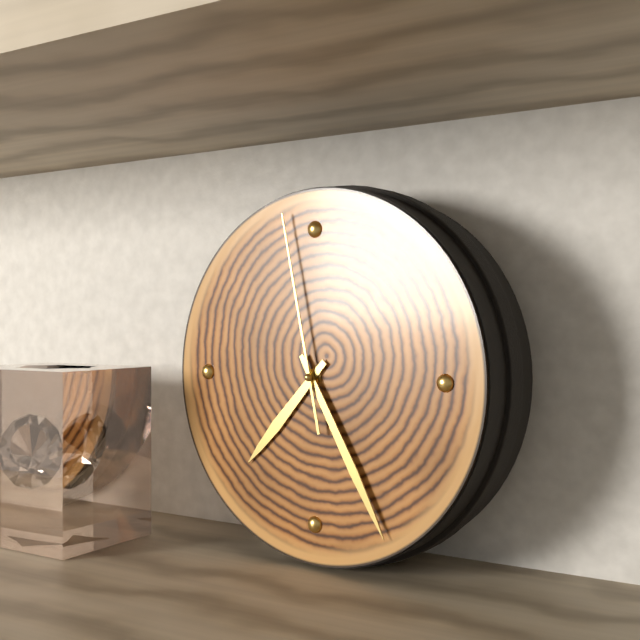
7:25:58
